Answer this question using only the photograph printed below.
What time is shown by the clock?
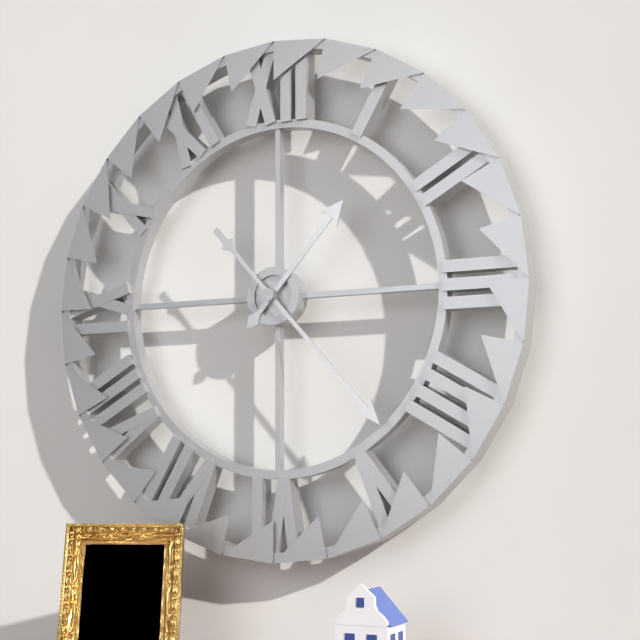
1:23
